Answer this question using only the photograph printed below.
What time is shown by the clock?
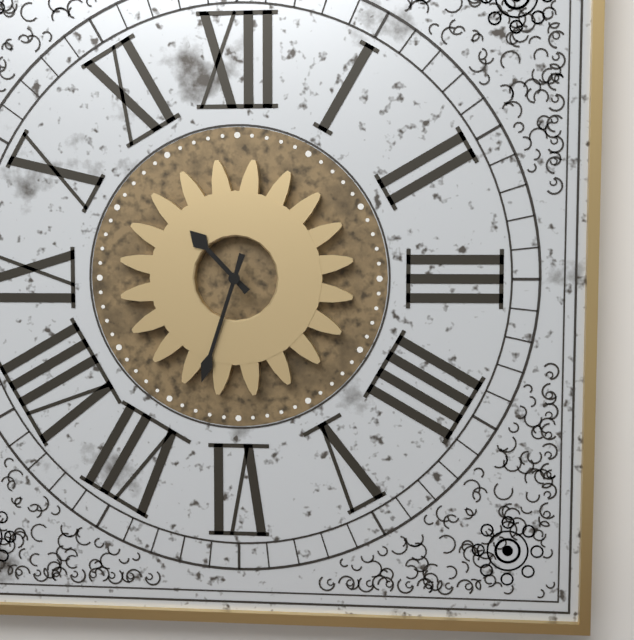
10:33
